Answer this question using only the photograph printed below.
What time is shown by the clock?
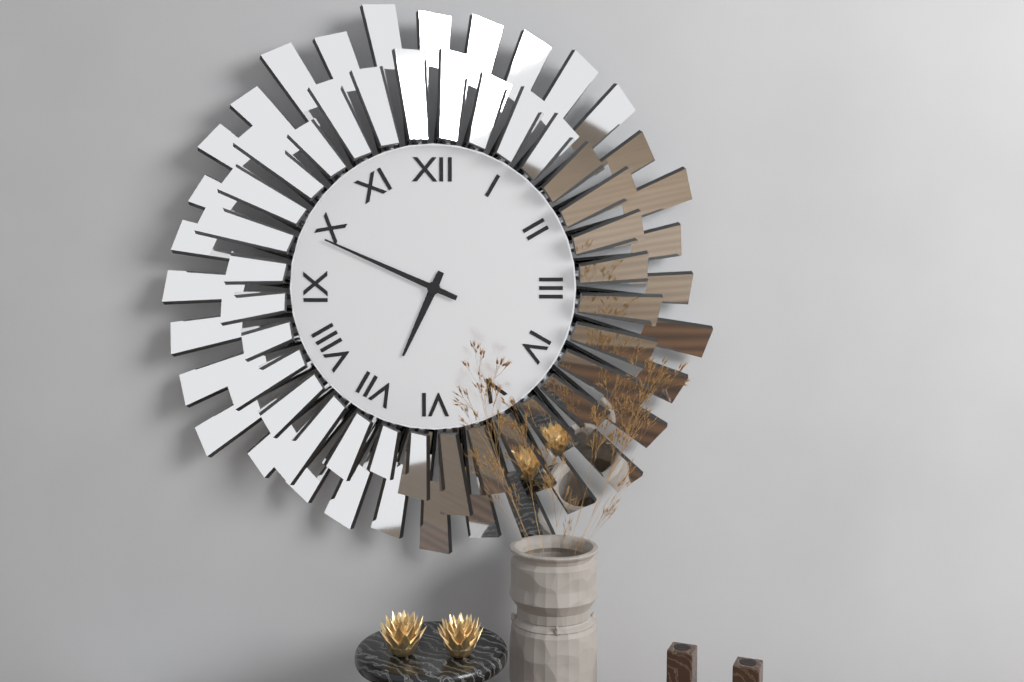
6:49
